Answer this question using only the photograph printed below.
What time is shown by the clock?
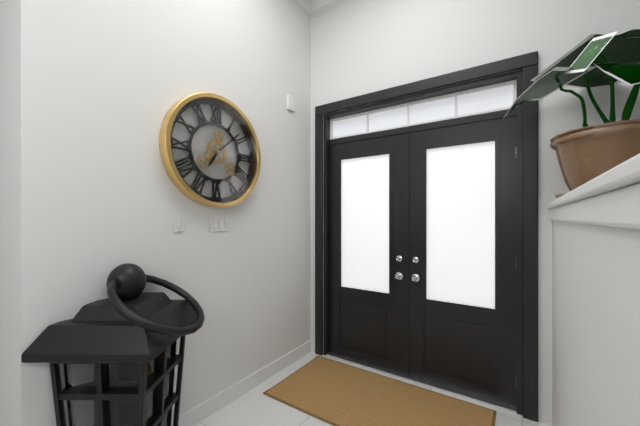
7:08
